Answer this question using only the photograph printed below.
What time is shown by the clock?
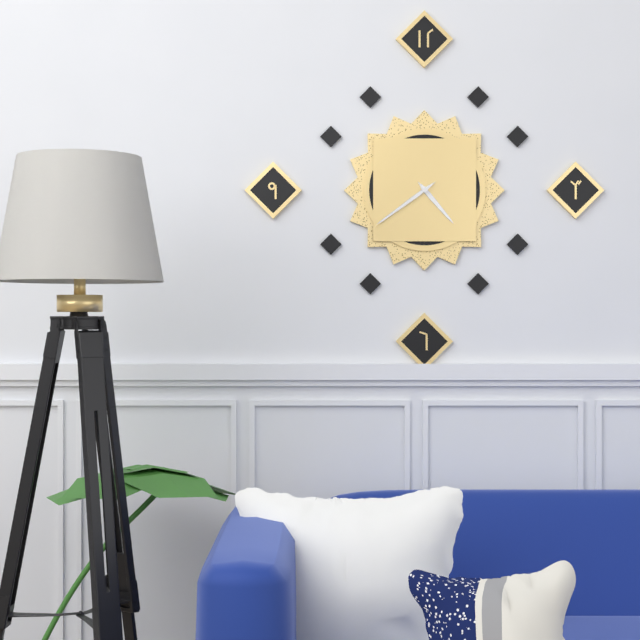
4:39
